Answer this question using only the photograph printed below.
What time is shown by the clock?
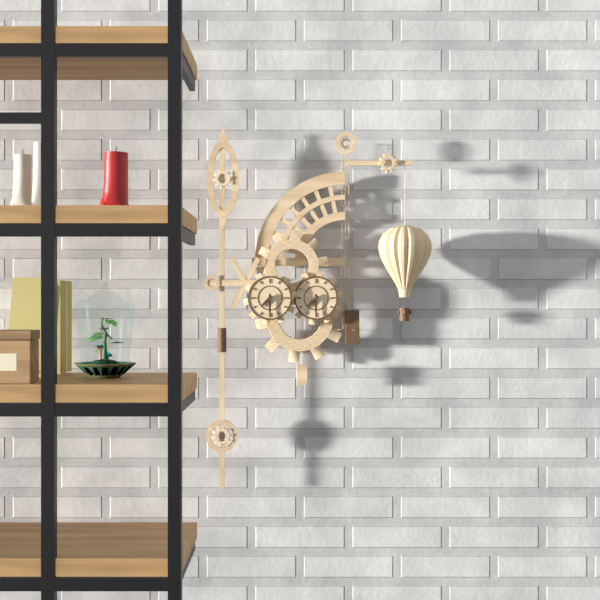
7:30
